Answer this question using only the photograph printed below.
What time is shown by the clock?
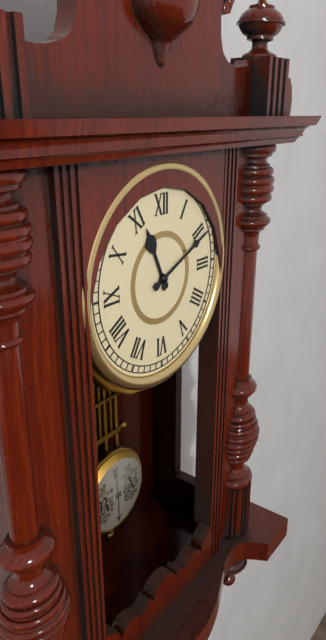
11:11
